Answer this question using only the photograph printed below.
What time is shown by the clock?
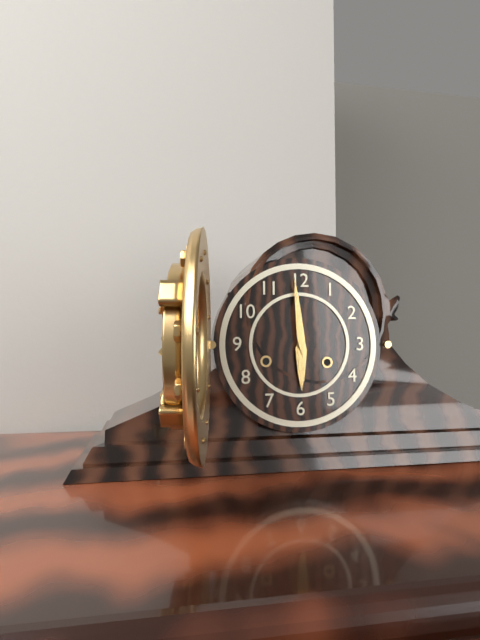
5:59
